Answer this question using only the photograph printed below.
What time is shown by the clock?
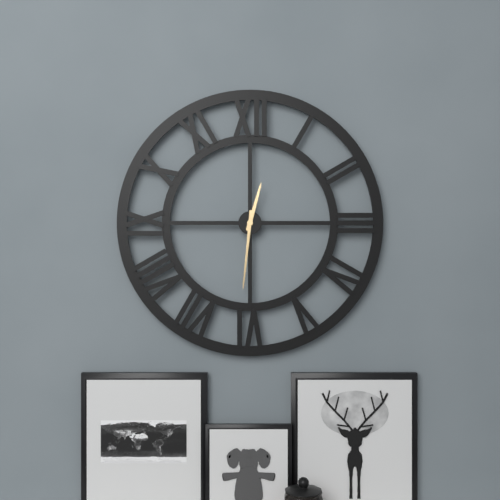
12:31
